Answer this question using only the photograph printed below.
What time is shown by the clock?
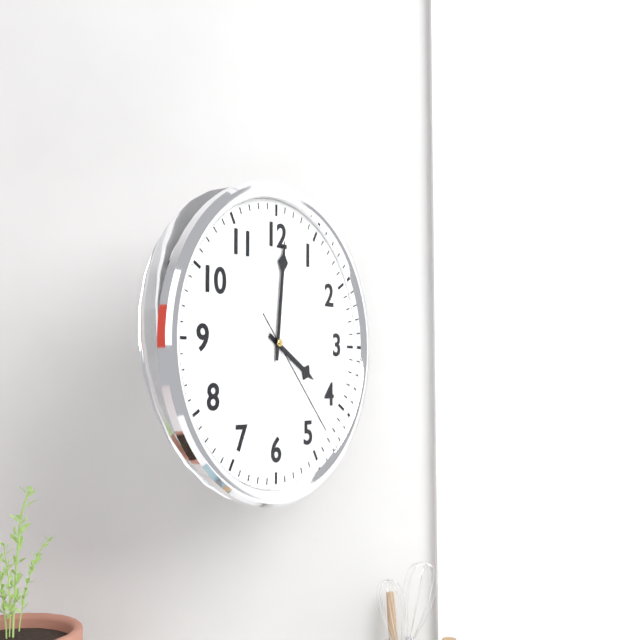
4:01:23
